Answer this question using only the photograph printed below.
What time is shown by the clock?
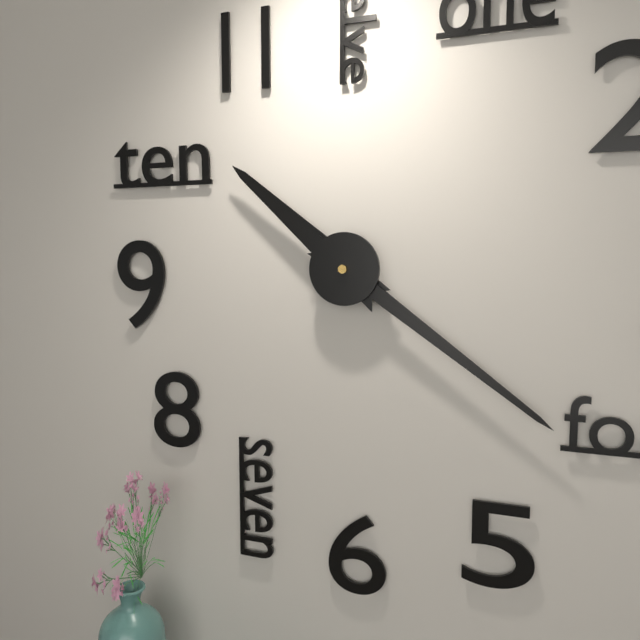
10:21
